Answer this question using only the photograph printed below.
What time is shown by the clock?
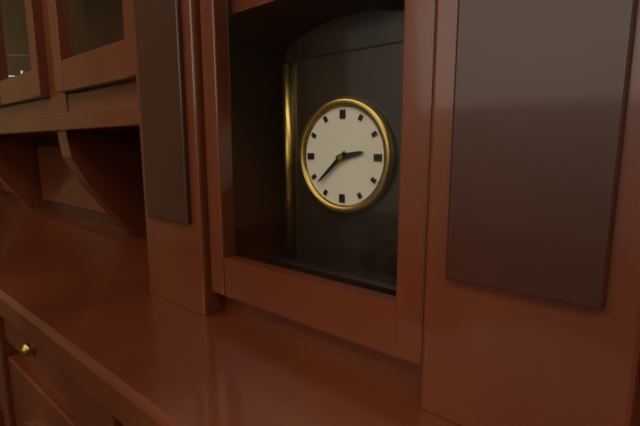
2:38
